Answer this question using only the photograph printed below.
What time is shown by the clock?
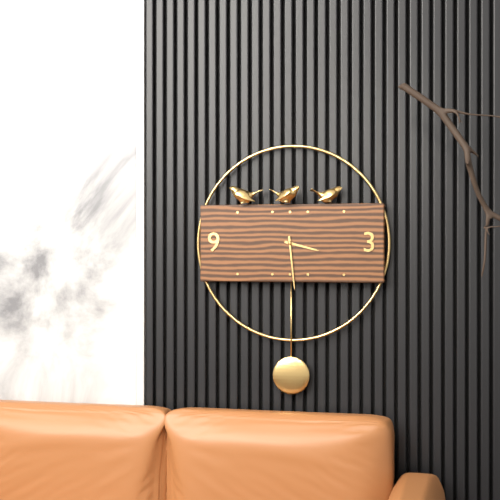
3:29
